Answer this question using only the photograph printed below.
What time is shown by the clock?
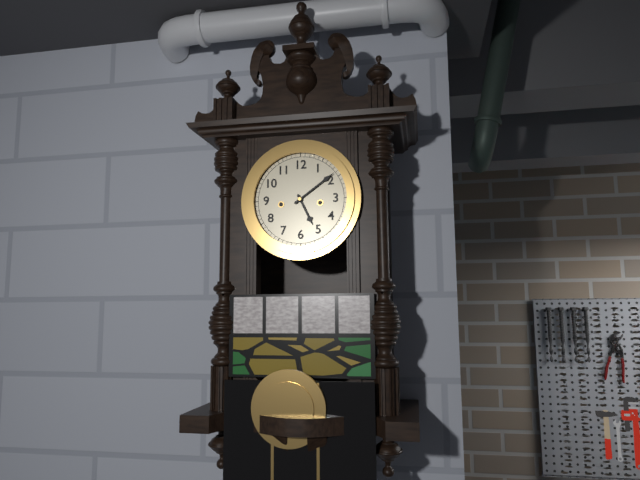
5:09
